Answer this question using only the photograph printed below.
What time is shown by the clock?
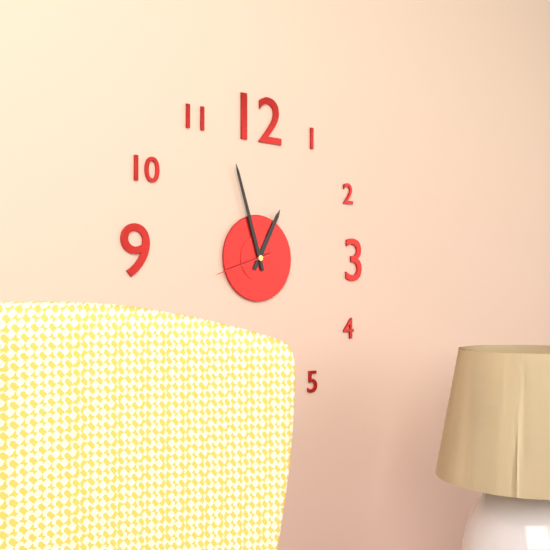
12:57:42
